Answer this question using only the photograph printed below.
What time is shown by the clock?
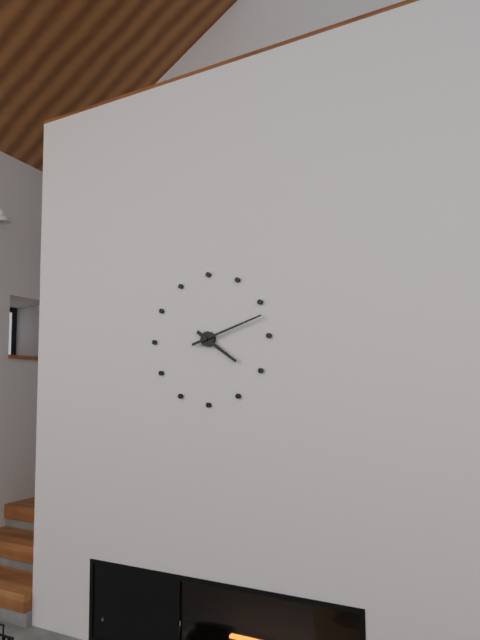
4:12
